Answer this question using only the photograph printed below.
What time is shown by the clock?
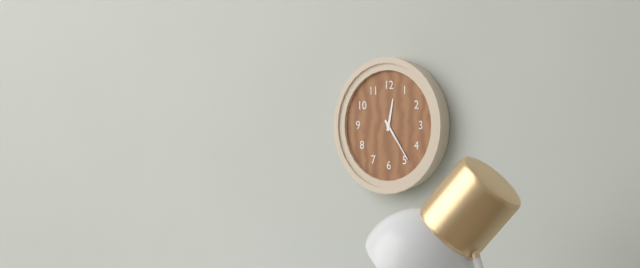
12:24
